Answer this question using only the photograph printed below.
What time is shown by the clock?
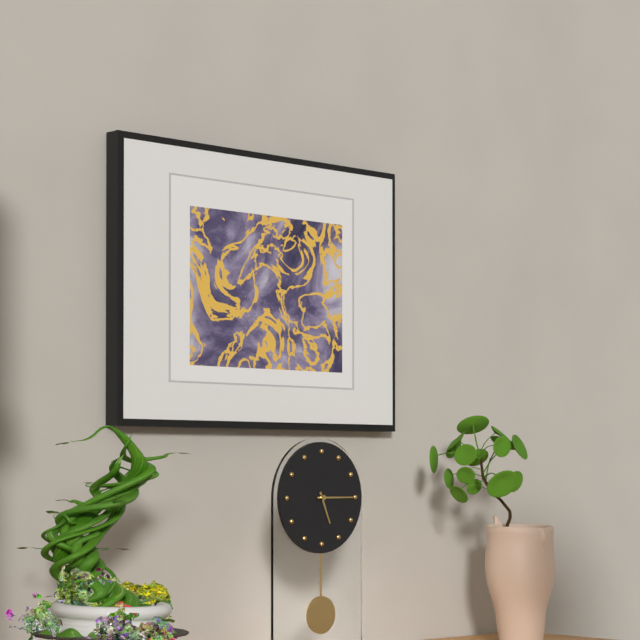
5:15
